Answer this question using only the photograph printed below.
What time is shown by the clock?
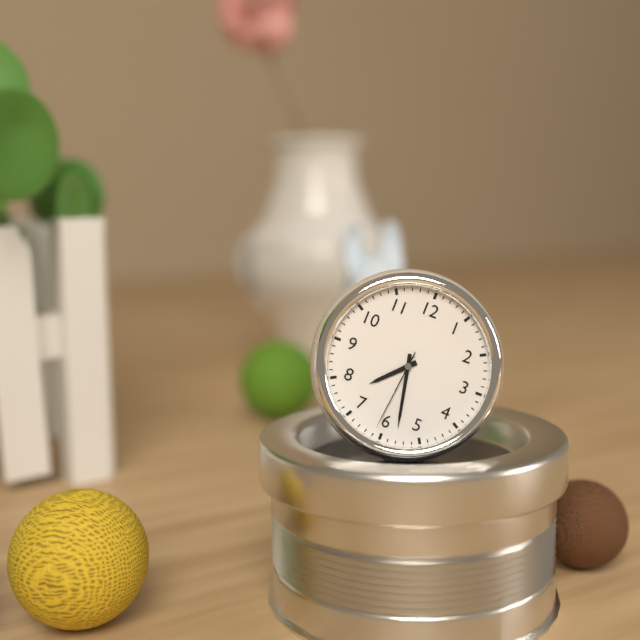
7:28:31
